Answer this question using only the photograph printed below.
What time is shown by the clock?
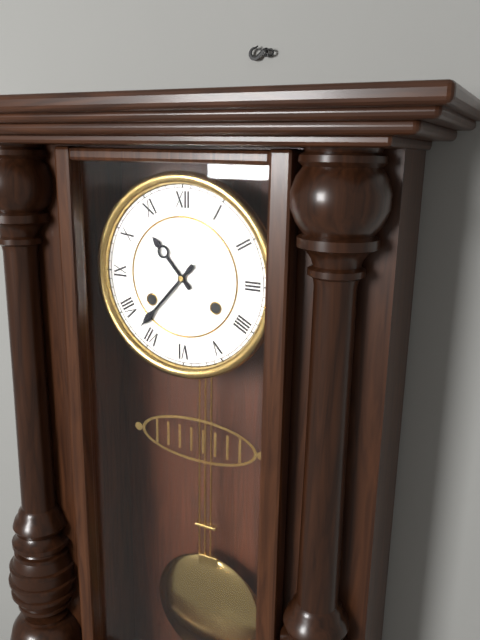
10:37
